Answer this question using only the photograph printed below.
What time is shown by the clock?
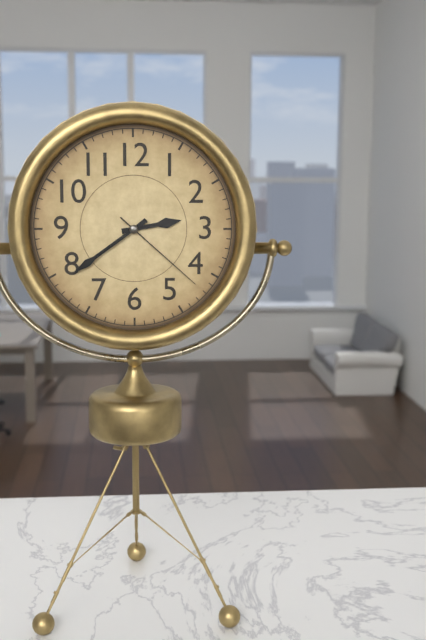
2:39:22
